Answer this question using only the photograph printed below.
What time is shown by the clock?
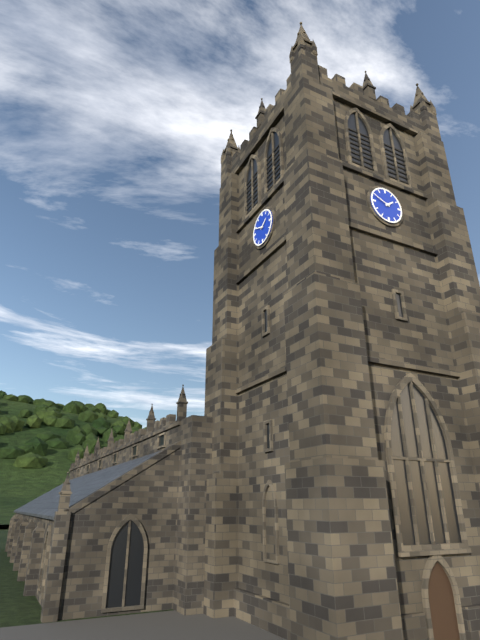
1:49
